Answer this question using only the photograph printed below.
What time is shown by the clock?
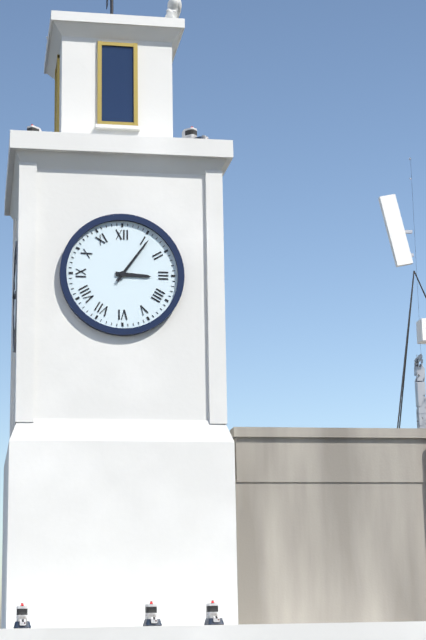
3:06
